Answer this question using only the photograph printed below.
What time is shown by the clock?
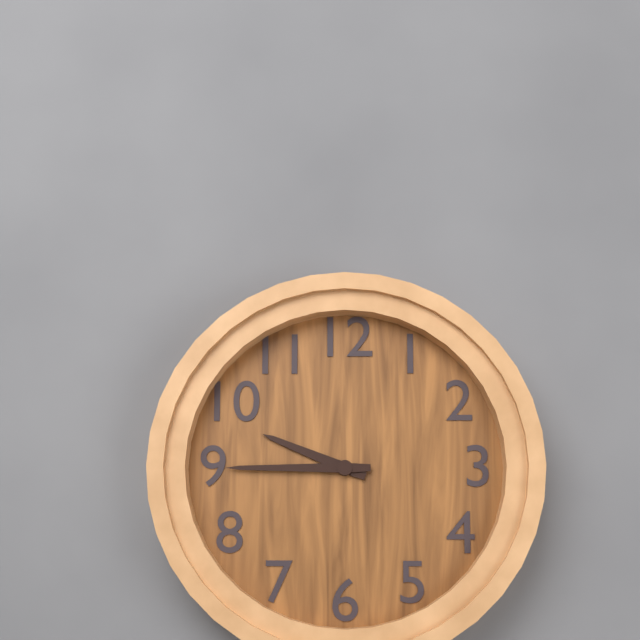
9:45
